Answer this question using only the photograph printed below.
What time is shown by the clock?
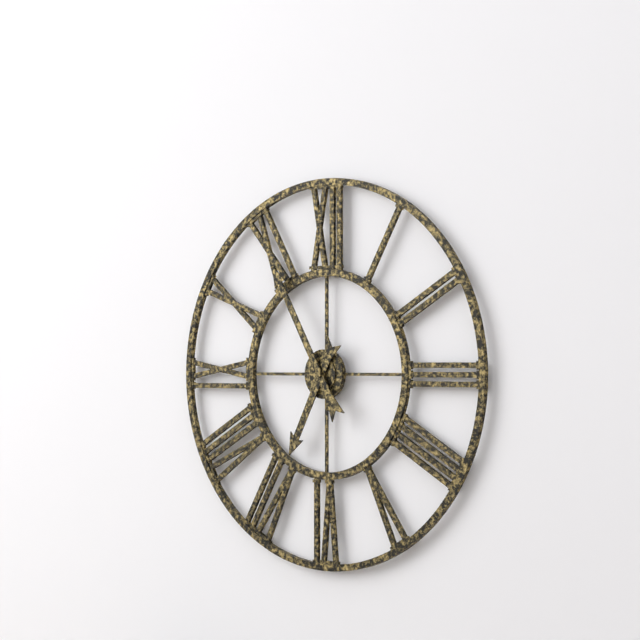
6:55
